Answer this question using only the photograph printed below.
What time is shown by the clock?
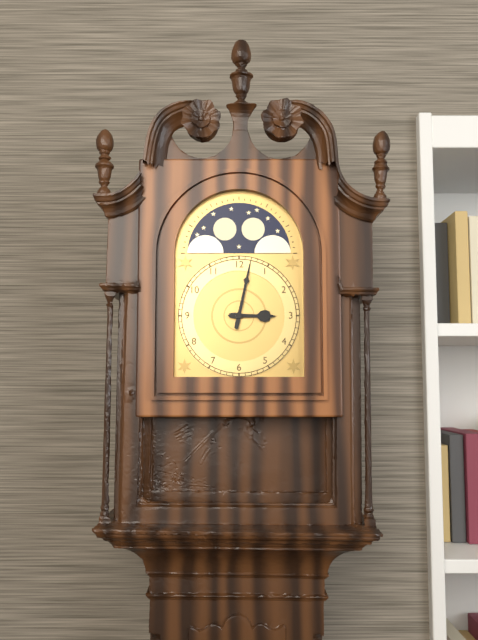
3:02
